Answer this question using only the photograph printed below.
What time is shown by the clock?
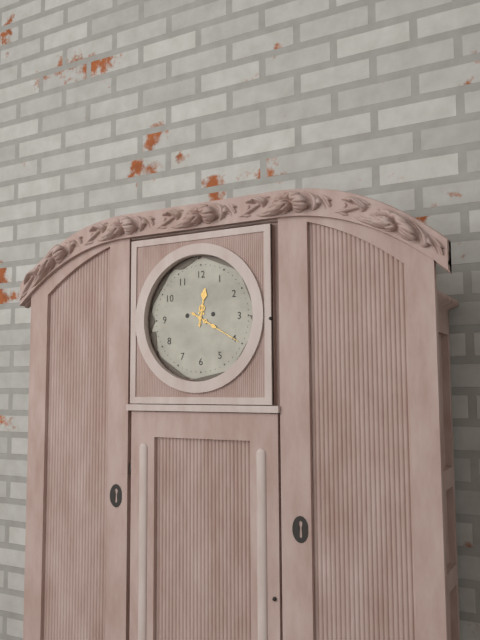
12:20
